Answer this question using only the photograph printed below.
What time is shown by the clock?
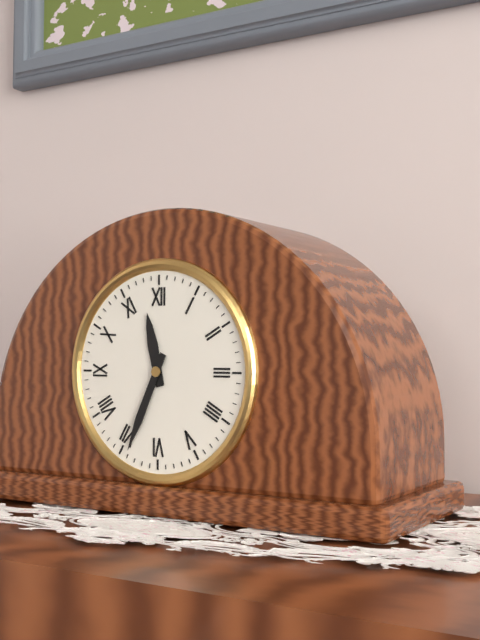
11:34
